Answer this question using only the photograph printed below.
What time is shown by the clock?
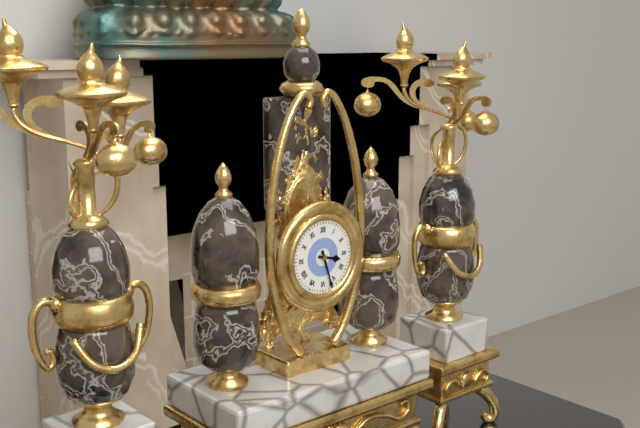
3:27
